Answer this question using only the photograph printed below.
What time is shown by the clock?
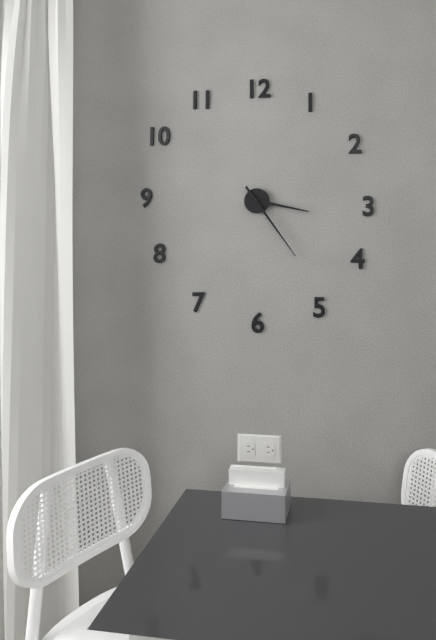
3:24
